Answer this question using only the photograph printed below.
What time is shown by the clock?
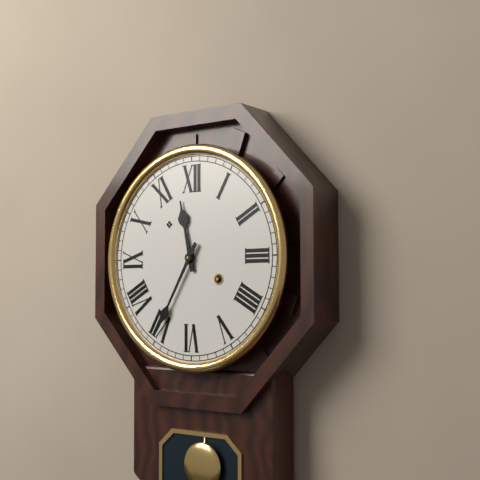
11:35
